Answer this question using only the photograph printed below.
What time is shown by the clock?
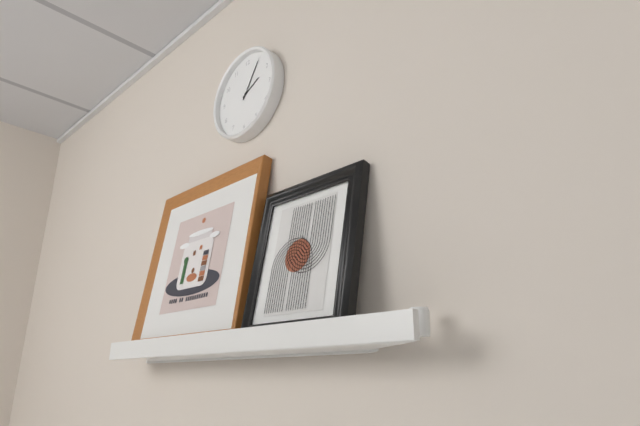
2:05
